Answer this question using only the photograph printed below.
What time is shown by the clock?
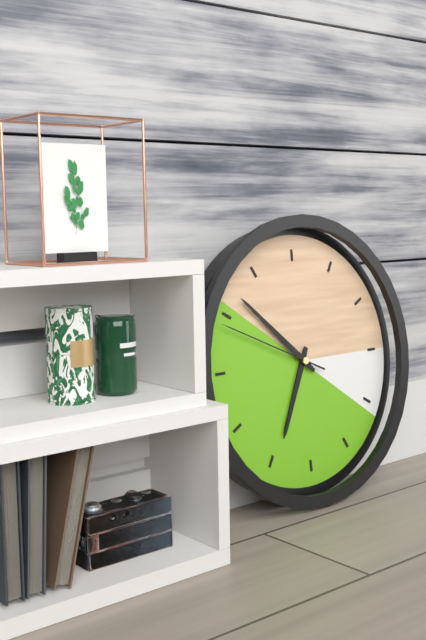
6:52:49
